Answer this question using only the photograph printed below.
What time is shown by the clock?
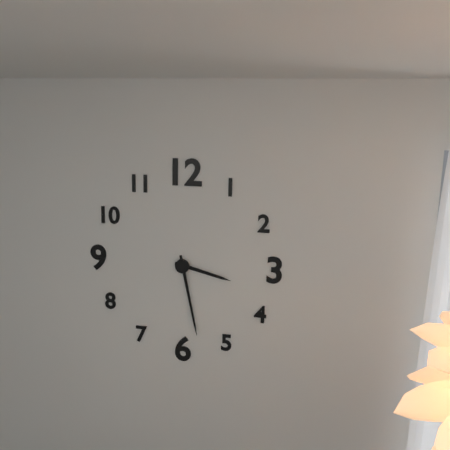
3:28
